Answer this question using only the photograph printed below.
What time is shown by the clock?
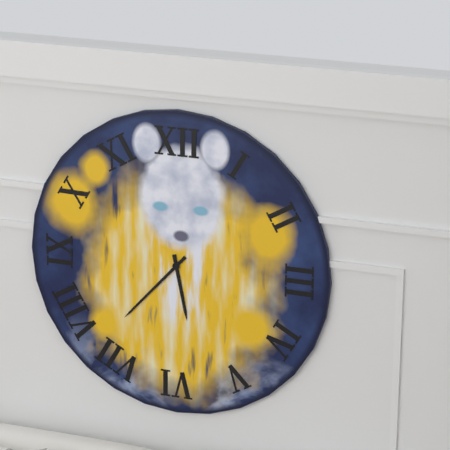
5:37
